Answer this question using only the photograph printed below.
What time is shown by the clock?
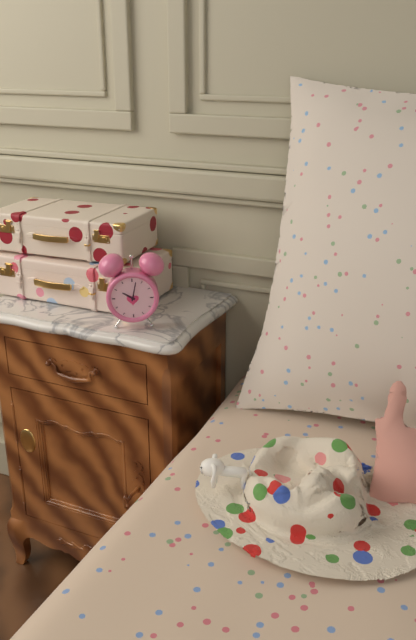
10:02
